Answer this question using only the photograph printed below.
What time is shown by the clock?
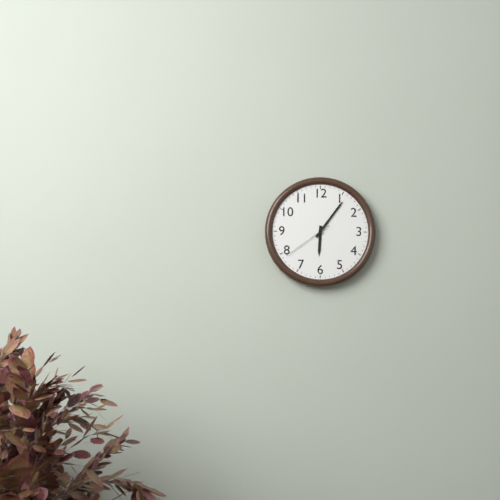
6:06:39
